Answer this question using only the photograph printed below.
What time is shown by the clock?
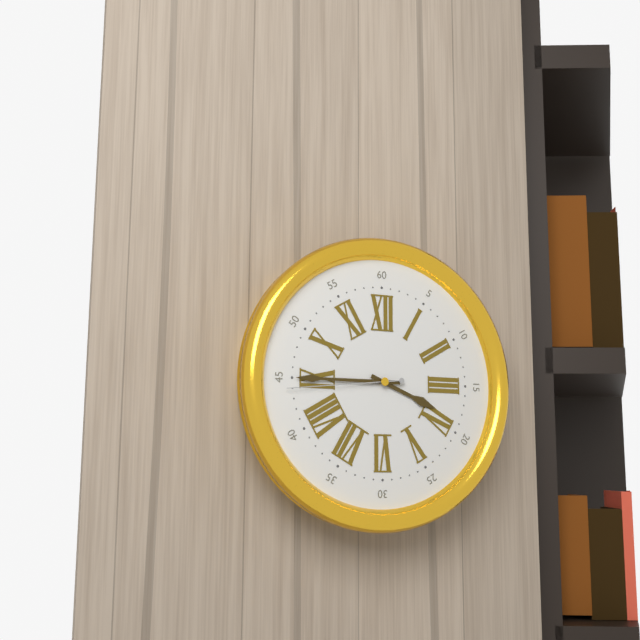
3:45:44
